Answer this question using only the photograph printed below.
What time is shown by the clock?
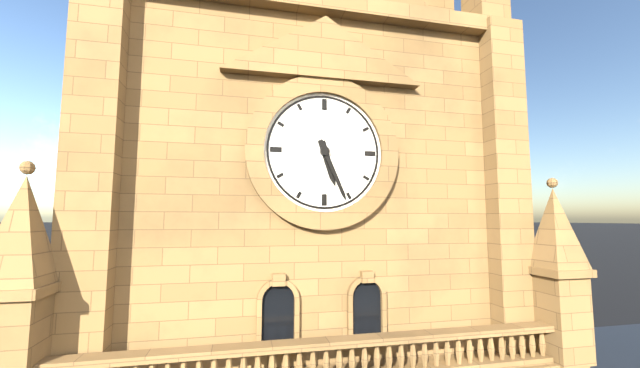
5:26
